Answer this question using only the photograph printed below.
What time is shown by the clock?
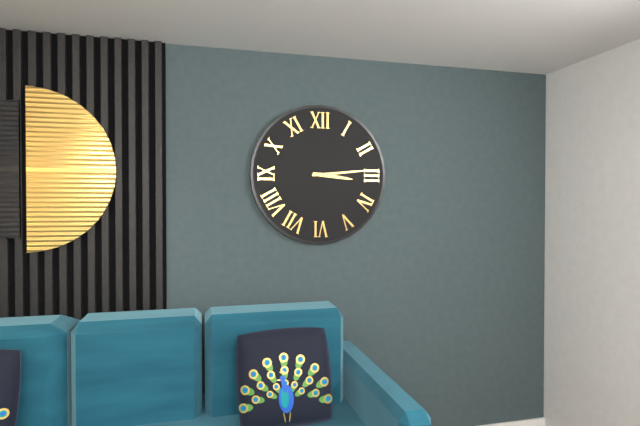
3:14
